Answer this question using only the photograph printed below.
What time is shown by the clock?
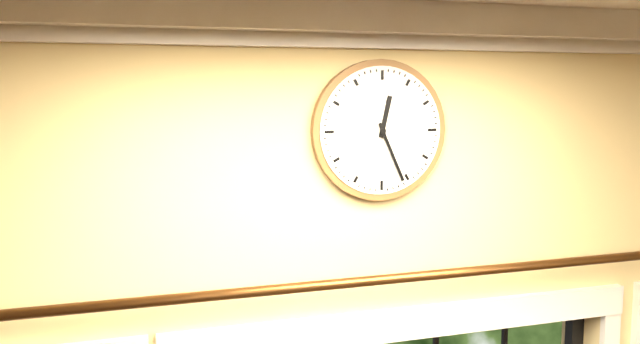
12:26
